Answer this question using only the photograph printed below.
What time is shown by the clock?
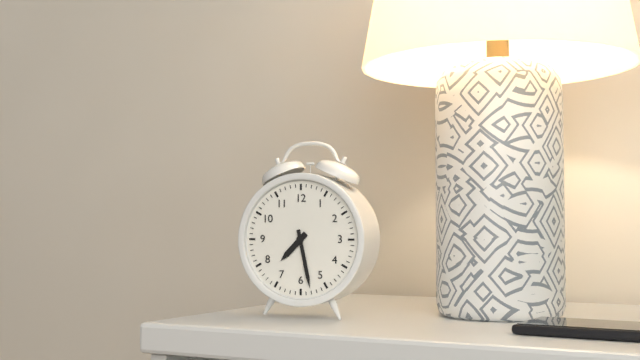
7:28
